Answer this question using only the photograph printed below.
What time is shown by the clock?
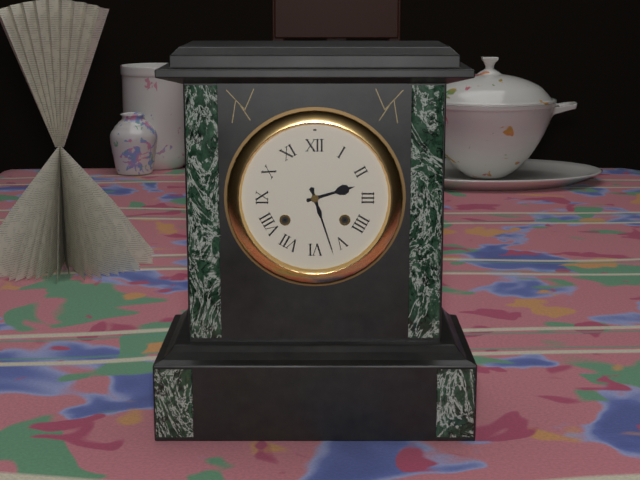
2:27
